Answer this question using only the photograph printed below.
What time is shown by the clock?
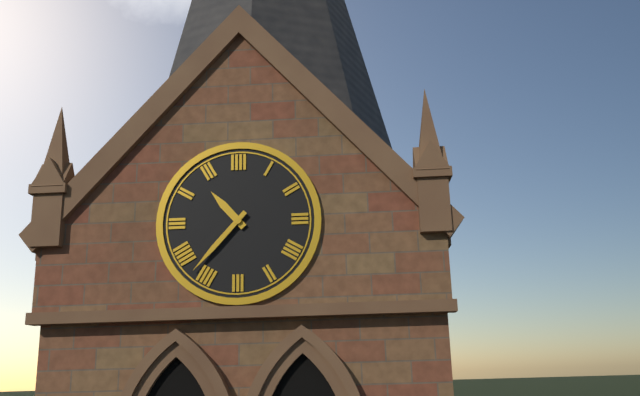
10:37
